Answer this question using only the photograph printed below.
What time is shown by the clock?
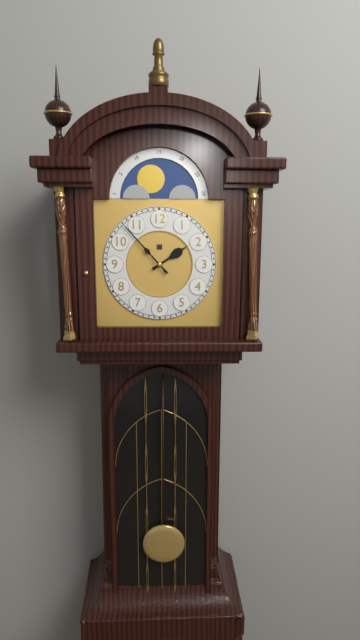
1:53
